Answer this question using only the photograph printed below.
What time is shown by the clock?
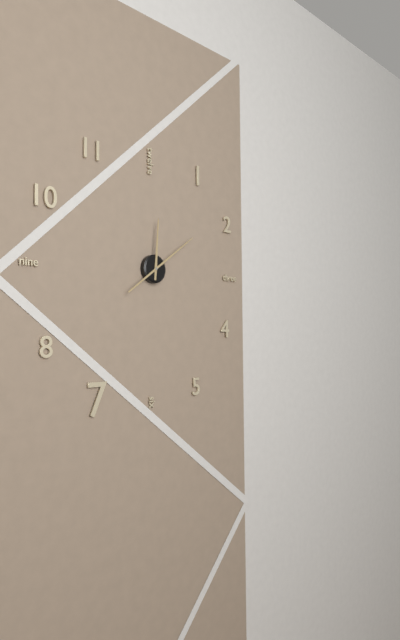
12:09
